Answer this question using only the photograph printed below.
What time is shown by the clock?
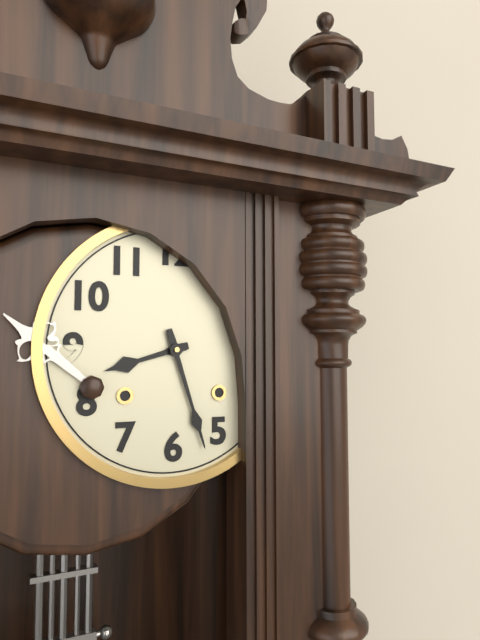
8:27
